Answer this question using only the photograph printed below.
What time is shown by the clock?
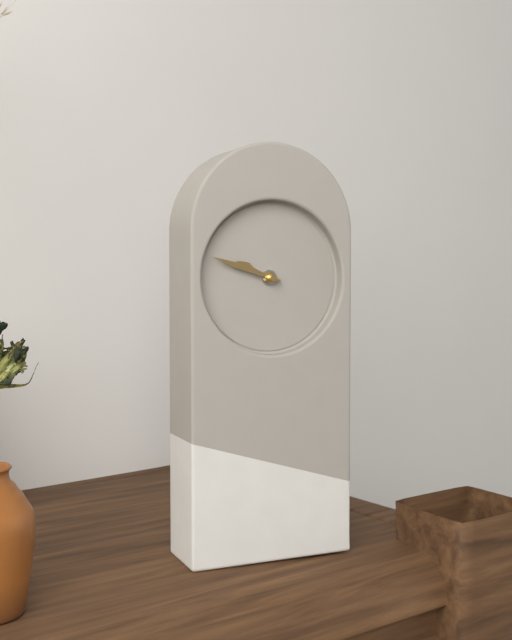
9:48
